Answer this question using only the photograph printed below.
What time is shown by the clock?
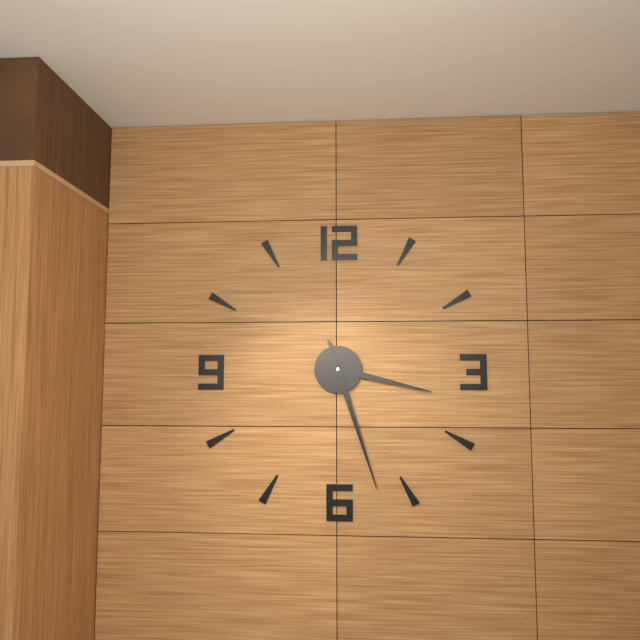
3:27
